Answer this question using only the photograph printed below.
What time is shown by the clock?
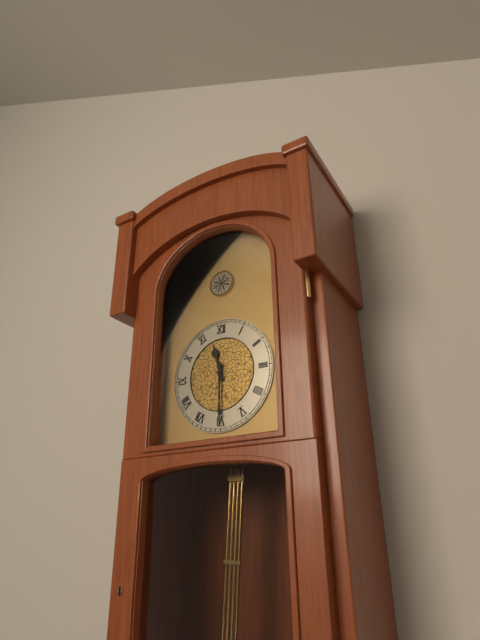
11:30
